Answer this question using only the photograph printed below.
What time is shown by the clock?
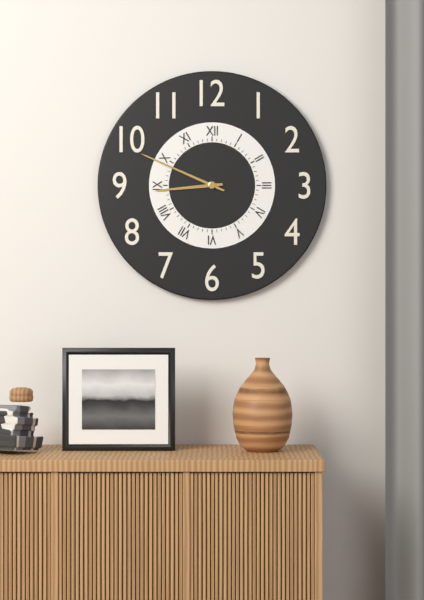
8:49
